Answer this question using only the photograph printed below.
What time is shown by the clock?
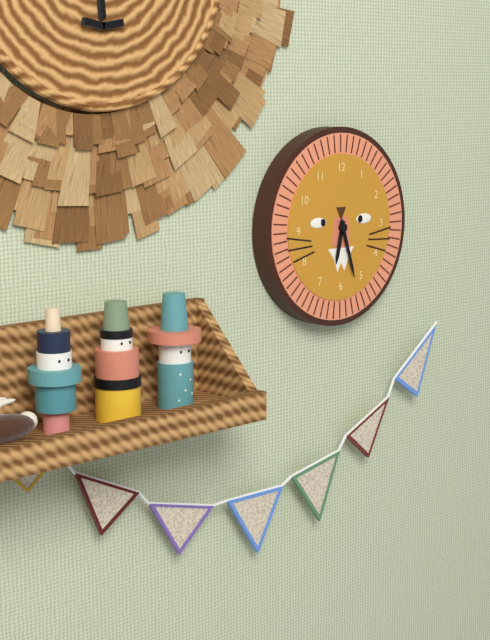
6:27
